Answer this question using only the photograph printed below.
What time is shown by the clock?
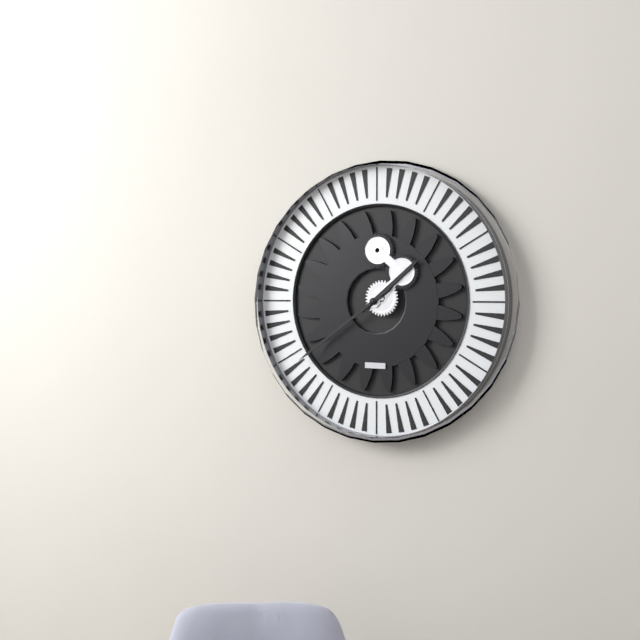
1:39
